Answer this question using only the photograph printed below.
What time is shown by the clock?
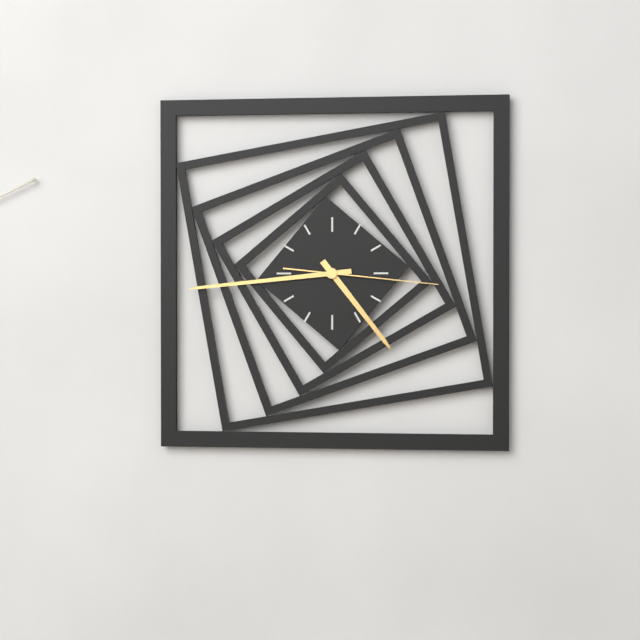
4:44:16
